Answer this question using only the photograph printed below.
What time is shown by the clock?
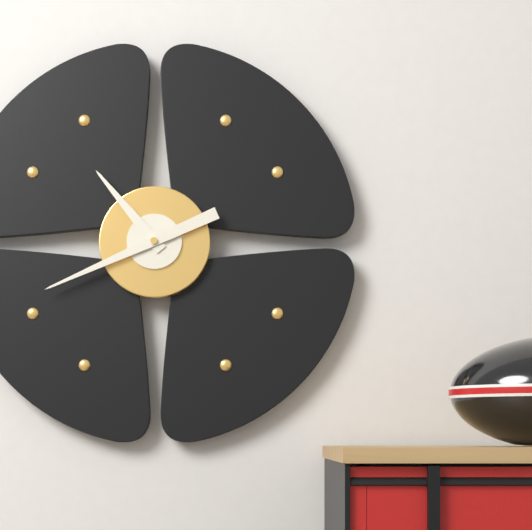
10:41
